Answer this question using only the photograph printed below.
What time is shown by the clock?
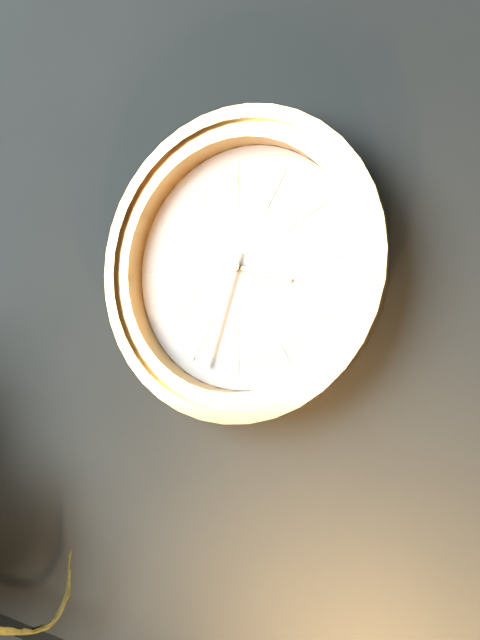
3:33
